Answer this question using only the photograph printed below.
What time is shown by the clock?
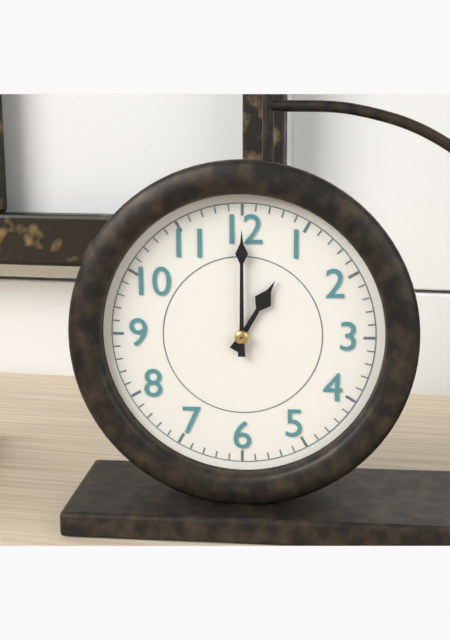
1:00
